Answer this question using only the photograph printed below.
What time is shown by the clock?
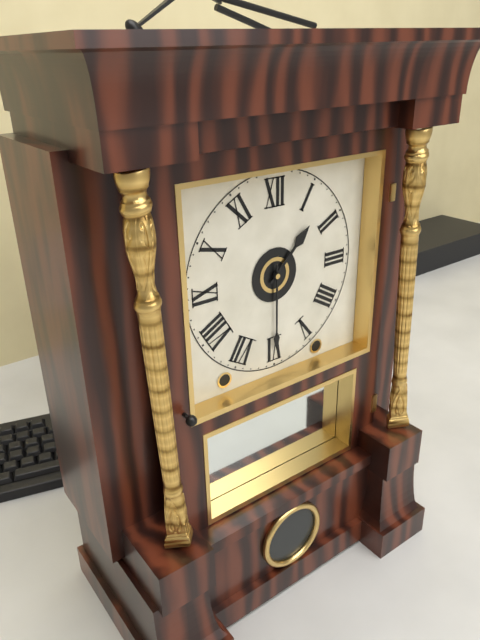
1:30
